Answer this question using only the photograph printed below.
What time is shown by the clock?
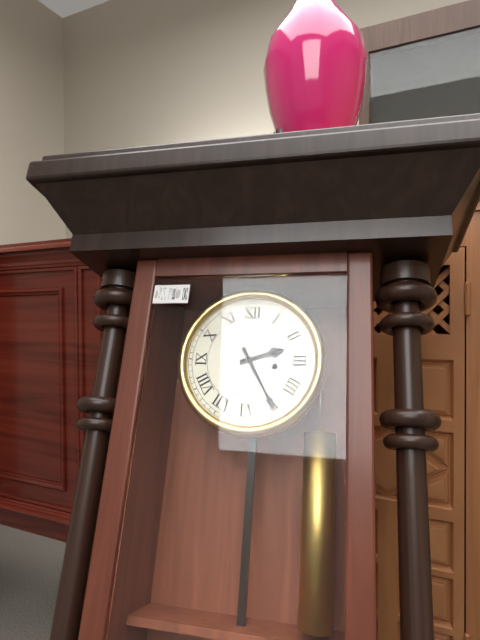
2:25
